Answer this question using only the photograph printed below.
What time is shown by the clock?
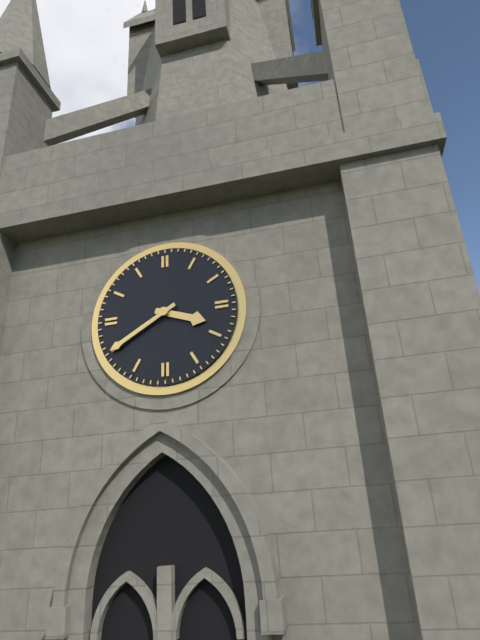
3:40
